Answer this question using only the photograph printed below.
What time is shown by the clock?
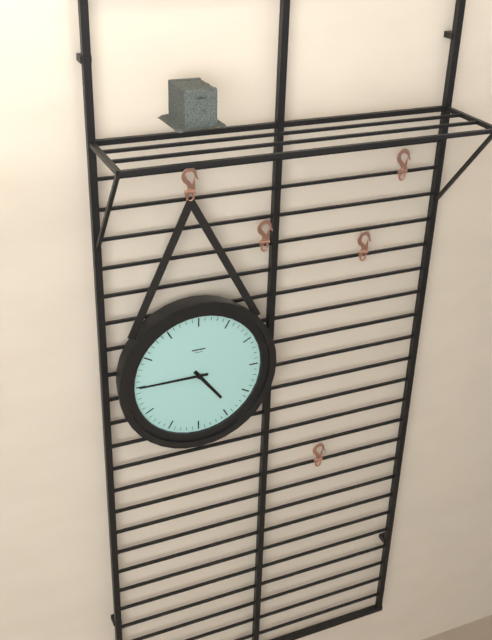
4:45
